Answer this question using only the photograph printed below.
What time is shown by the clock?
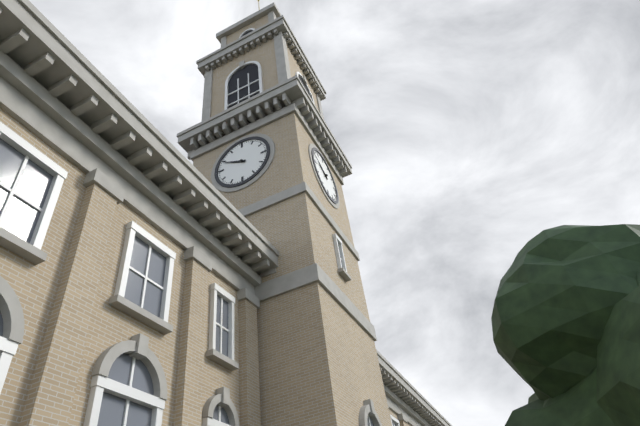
9:49
